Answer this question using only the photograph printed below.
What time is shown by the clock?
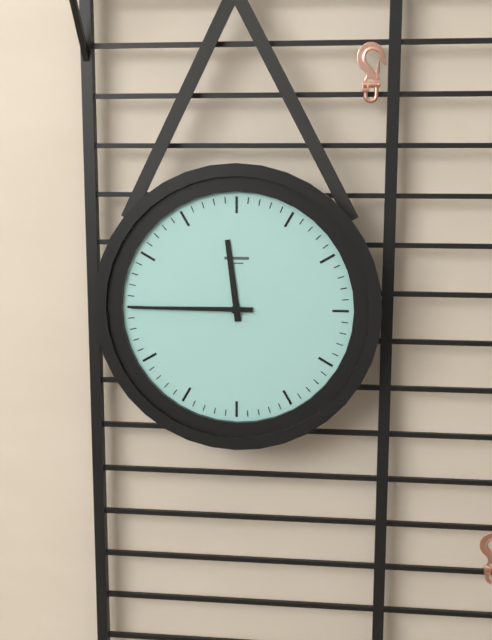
11:45
